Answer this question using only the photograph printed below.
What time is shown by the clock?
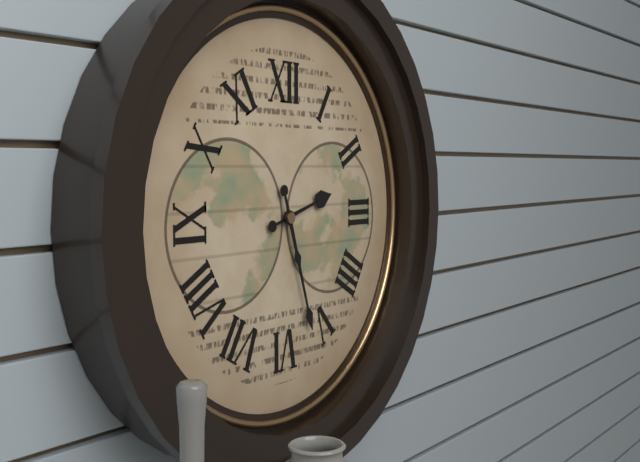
2:27
